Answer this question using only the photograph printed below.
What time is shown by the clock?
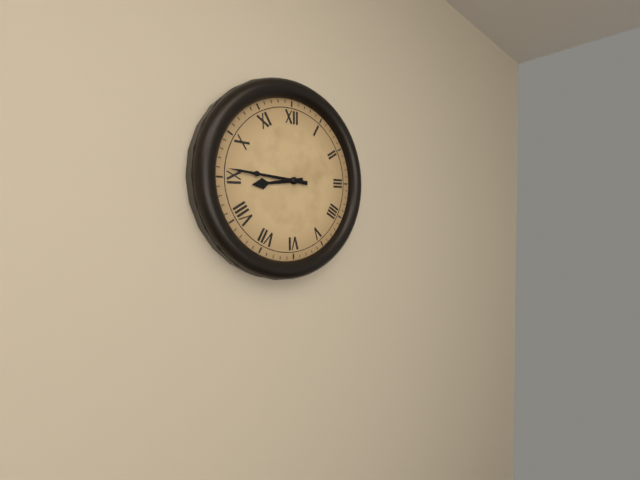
8:46
